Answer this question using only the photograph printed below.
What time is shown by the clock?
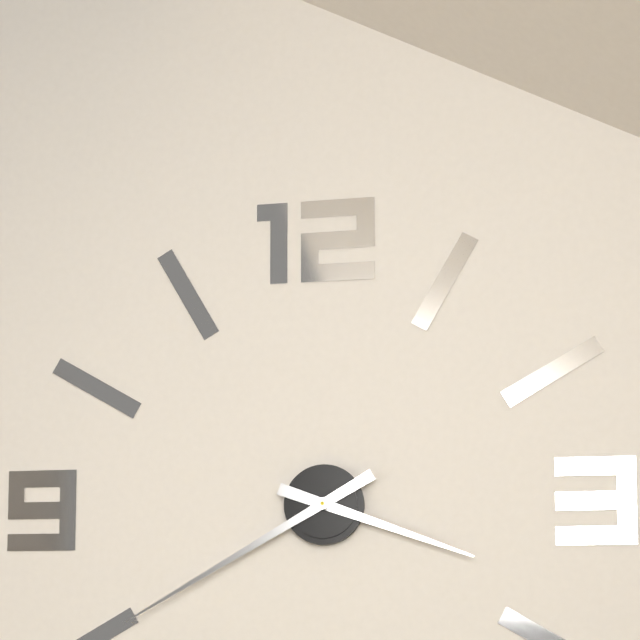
3:40
